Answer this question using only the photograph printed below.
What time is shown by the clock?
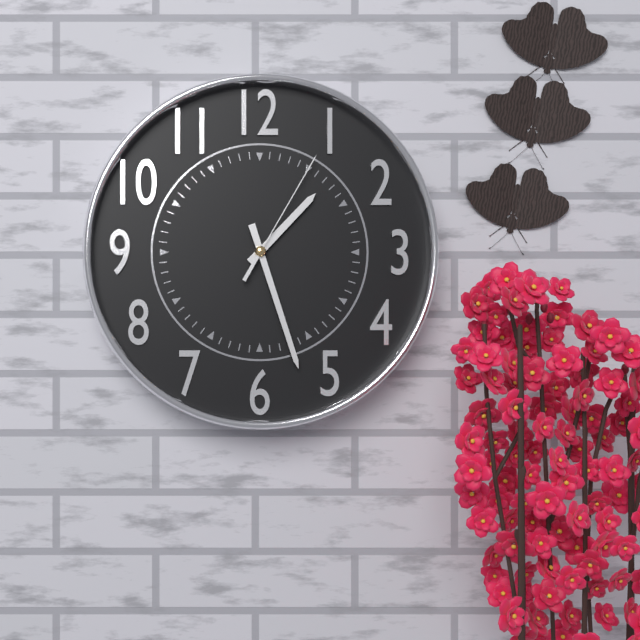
1:27:05
